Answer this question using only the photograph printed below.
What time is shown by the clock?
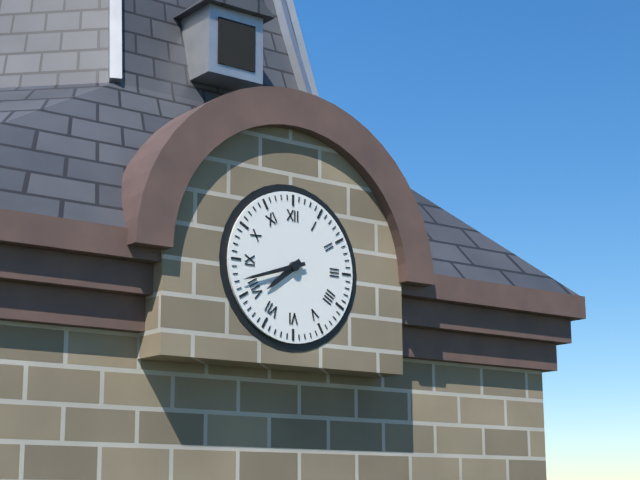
7:42
